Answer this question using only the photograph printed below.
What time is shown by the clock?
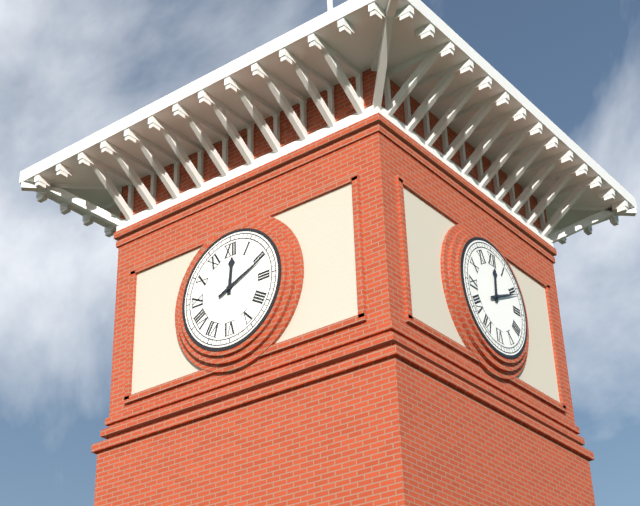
12:11
